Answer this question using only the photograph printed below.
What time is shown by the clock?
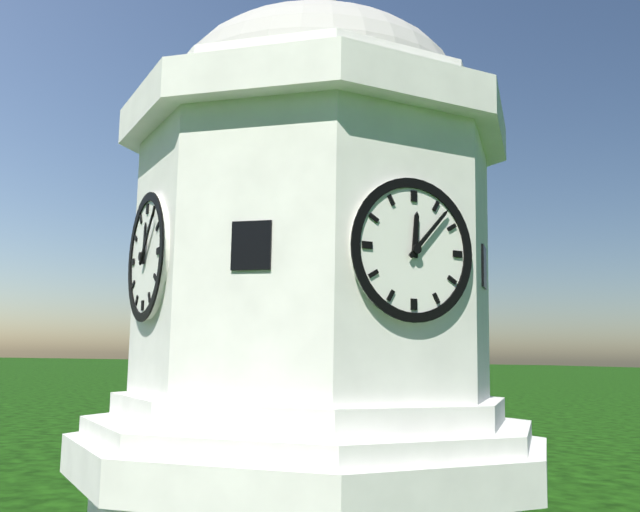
12:07
